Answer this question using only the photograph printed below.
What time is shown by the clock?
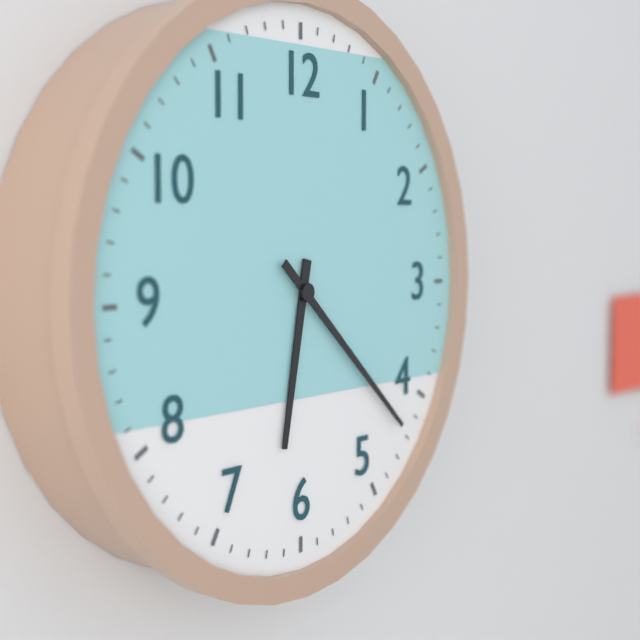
6:22
